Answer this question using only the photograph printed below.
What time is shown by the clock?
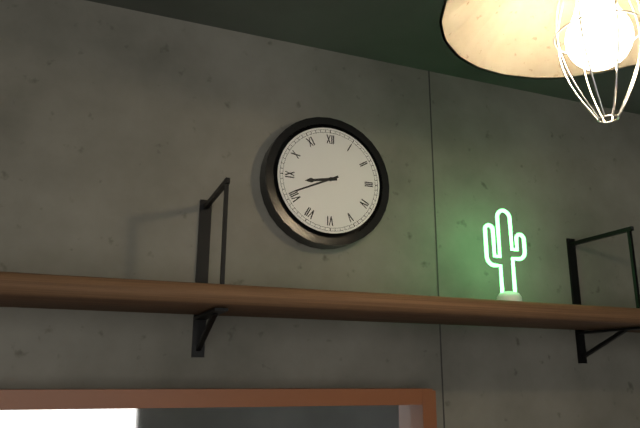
8:41
